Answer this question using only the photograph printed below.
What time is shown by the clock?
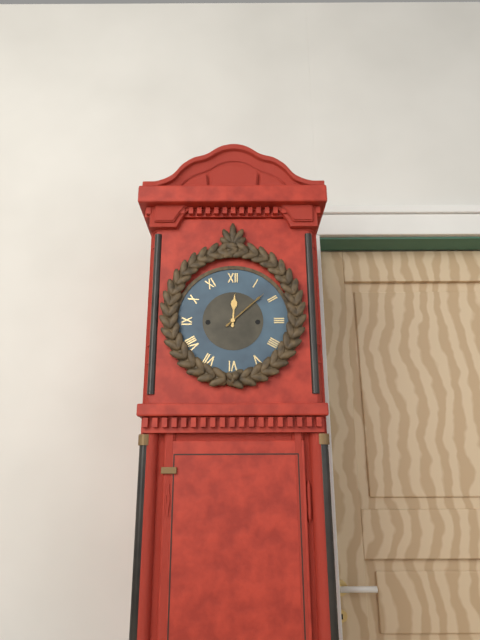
12:08
